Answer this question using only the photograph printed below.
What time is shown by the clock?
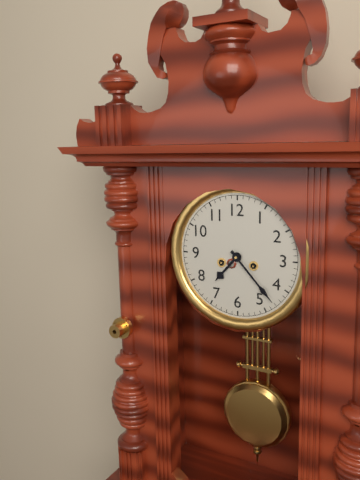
7:23
